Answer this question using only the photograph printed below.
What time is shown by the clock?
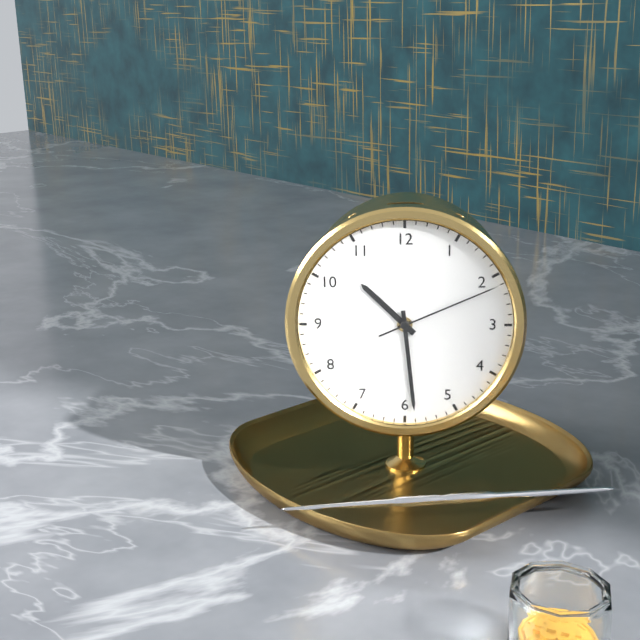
10:29:11
